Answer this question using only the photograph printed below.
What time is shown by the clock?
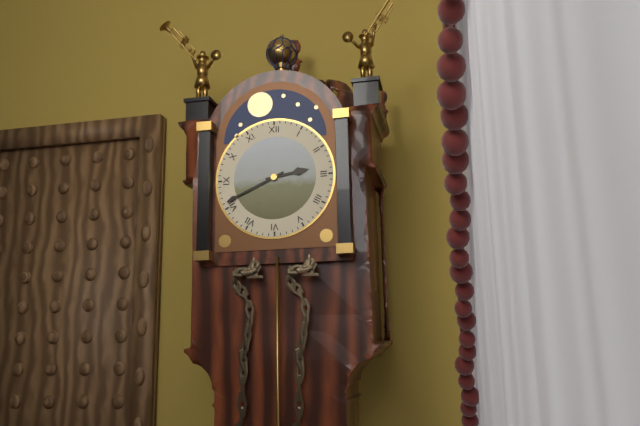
2:41
